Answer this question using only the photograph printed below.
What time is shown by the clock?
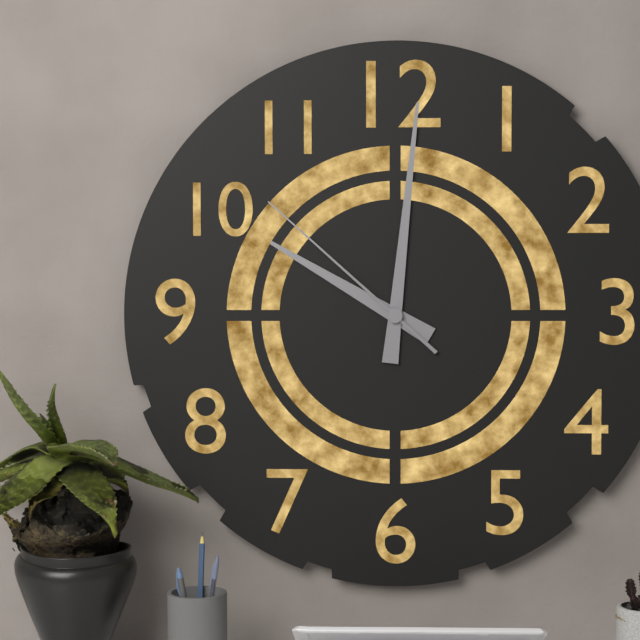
10:01:52
